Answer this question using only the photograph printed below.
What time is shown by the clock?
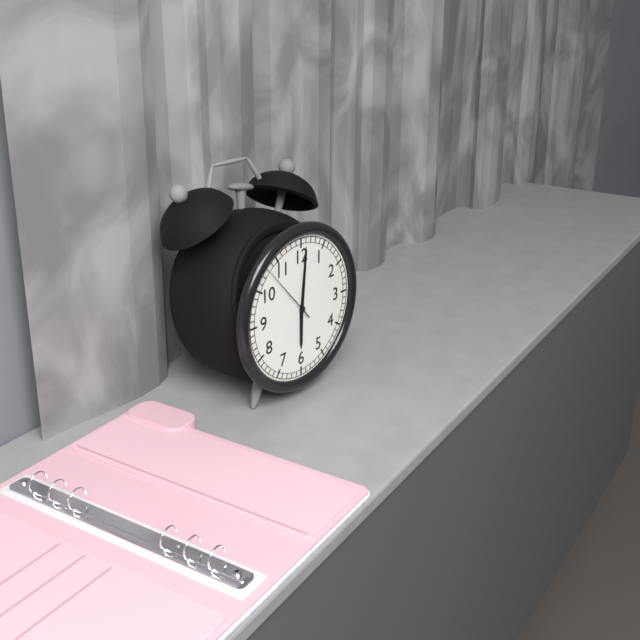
6:01:53
